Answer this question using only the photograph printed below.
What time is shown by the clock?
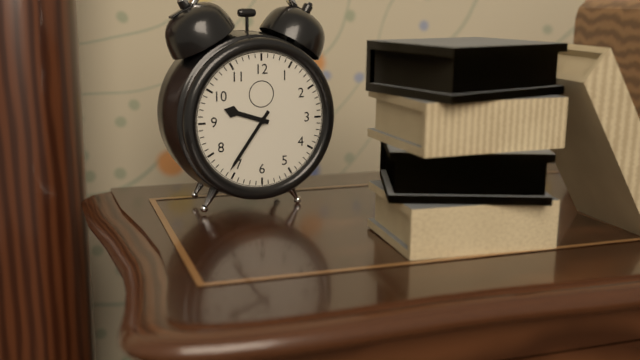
9:36
